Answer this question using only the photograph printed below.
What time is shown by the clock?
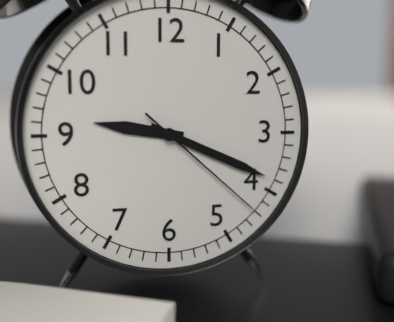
9:19:22
